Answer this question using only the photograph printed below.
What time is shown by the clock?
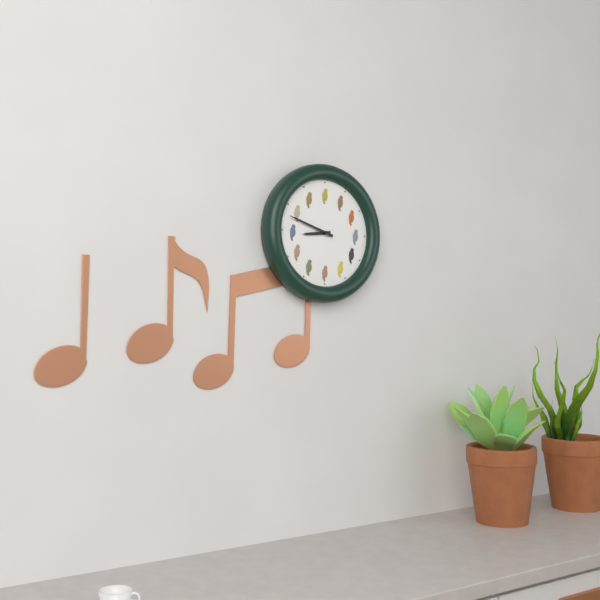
8:48
